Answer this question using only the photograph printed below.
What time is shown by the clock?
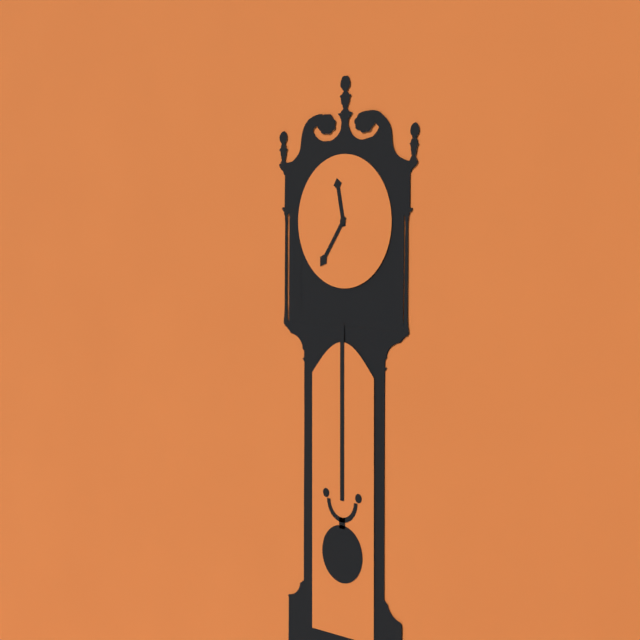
11:36
